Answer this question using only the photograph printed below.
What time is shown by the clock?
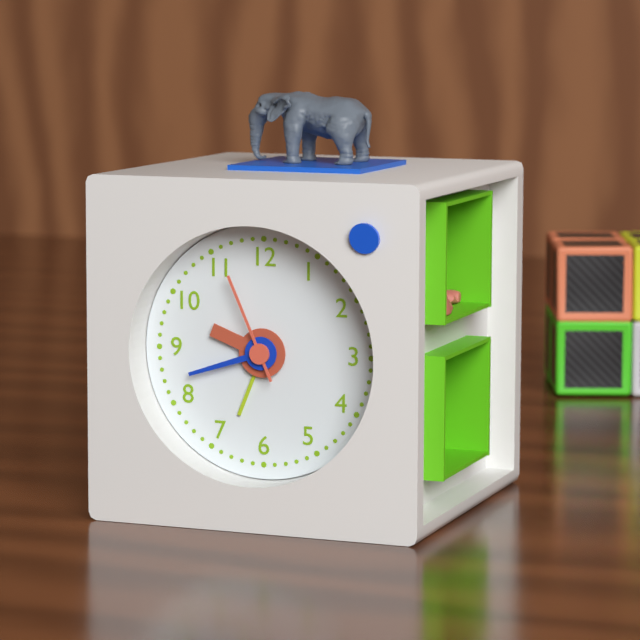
9:42:56
